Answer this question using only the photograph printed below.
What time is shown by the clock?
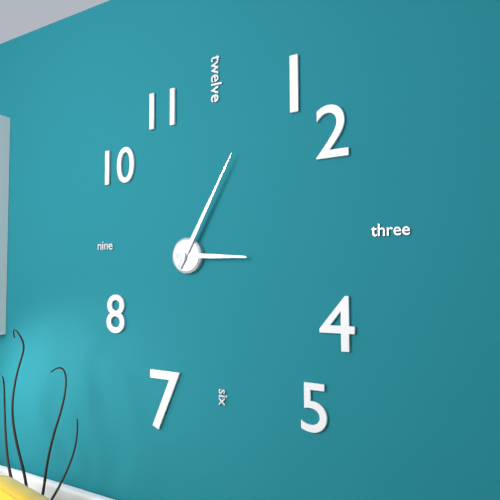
3:05
